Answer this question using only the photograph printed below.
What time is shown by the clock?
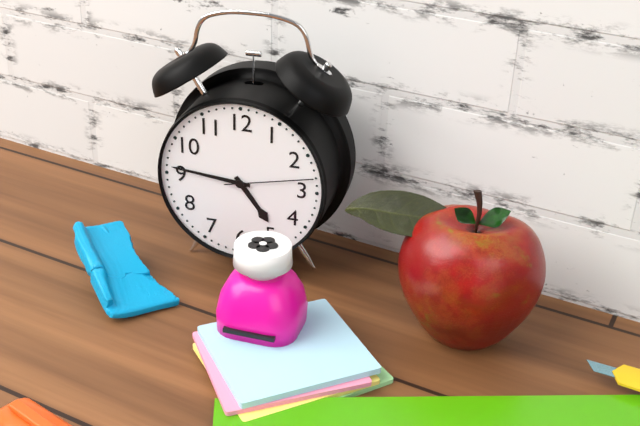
4:46:13
